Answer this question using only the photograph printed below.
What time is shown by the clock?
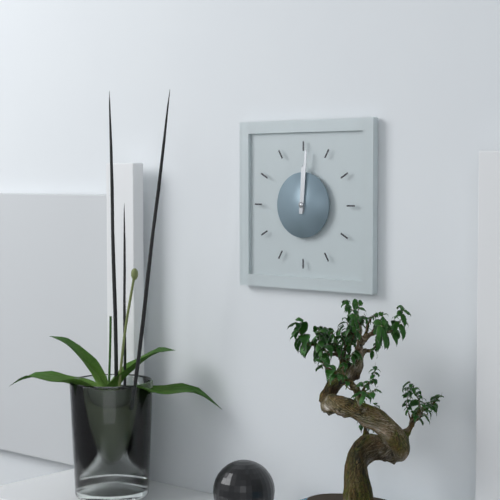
12:01
